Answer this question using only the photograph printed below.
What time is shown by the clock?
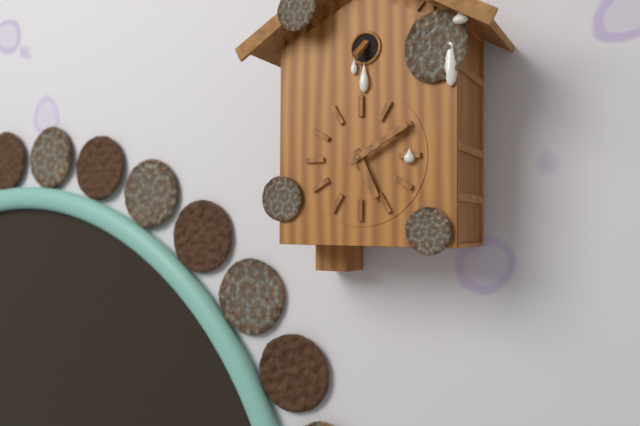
5:10
